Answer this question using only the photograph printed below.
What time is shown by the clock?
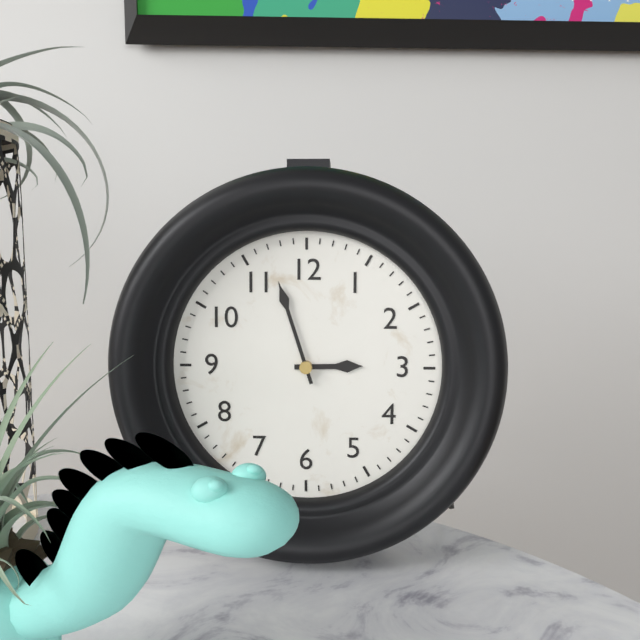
2:57
